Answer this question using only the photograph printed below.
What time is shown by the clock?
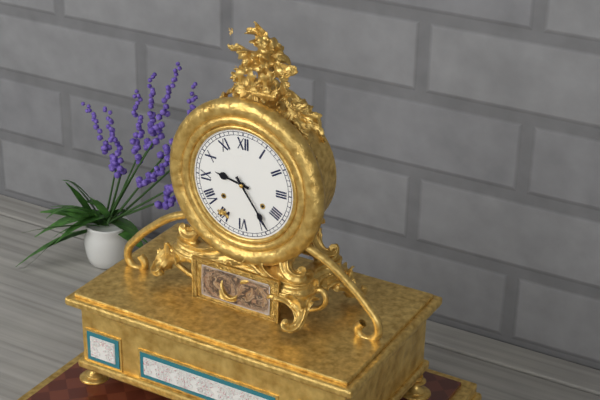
9:24
